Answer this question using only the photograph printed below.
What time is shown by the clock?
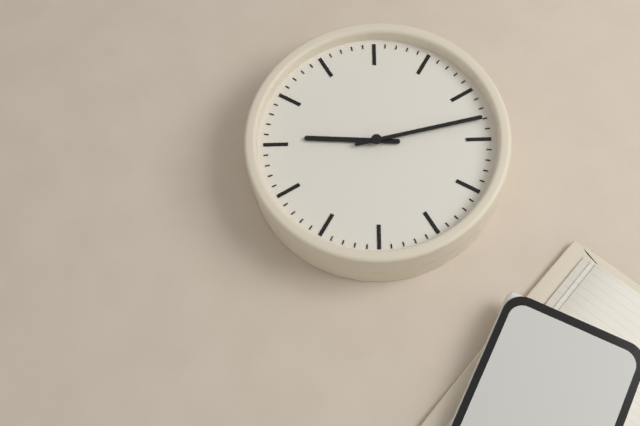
8:08
